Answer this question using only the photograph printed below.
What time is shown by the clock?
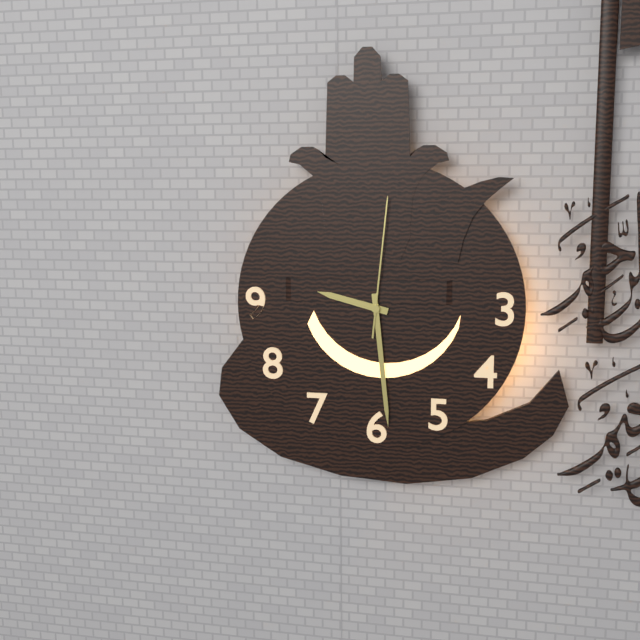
9:29:01
